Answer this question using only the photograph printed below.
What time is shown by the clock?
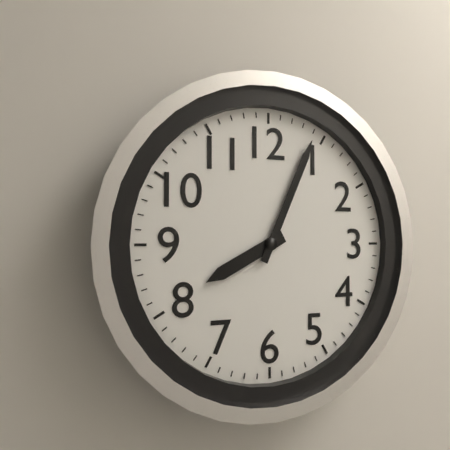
8:04
